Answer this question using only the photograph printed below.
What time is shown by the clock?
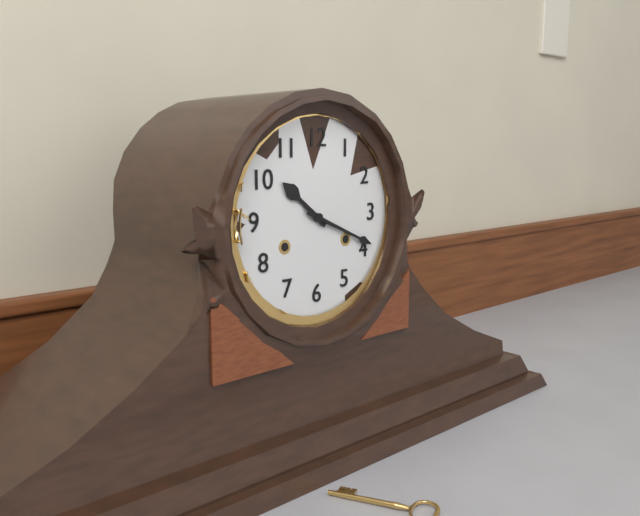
10:19
